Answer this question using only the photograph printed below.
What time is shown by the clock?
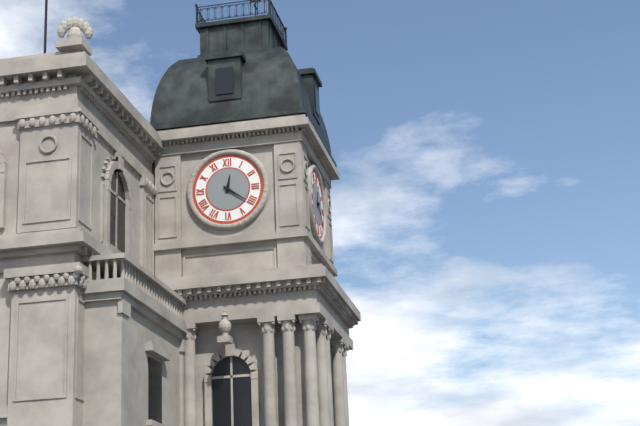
12:21
